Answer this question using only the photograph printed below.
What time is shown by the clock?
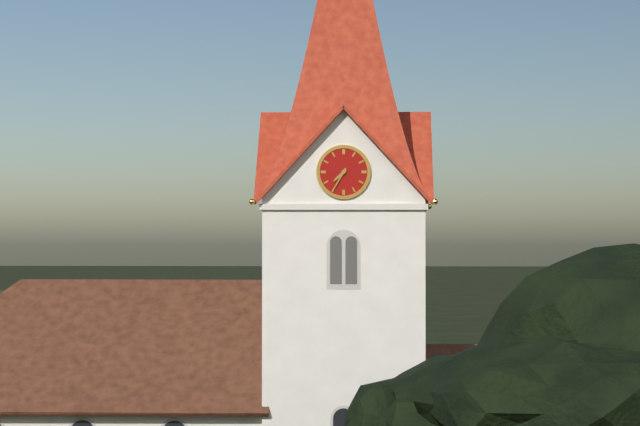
7:35
